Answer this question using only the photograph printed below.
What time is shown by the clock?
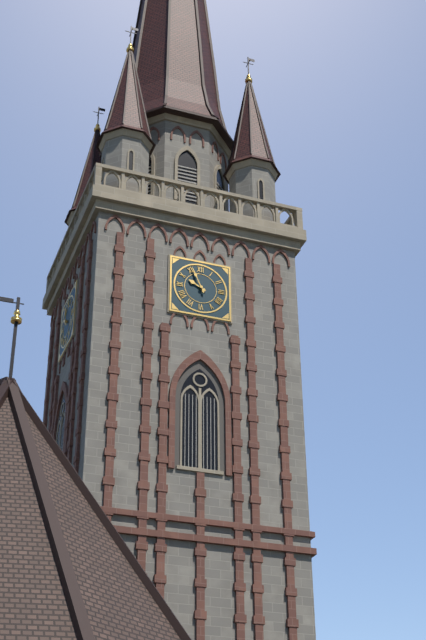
9:56
